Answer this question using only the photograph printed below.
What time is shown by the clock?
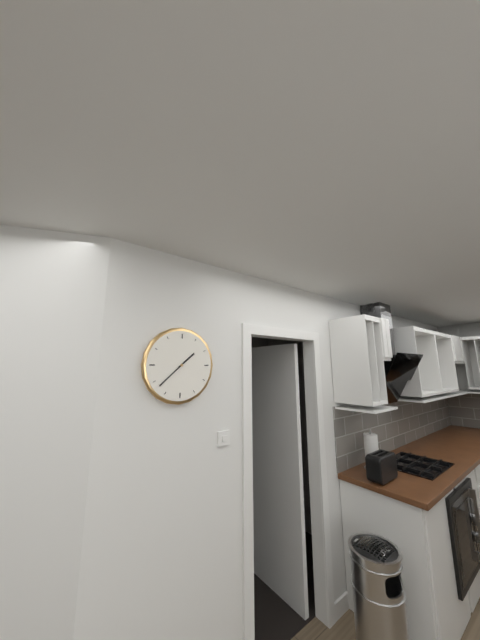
1:38
